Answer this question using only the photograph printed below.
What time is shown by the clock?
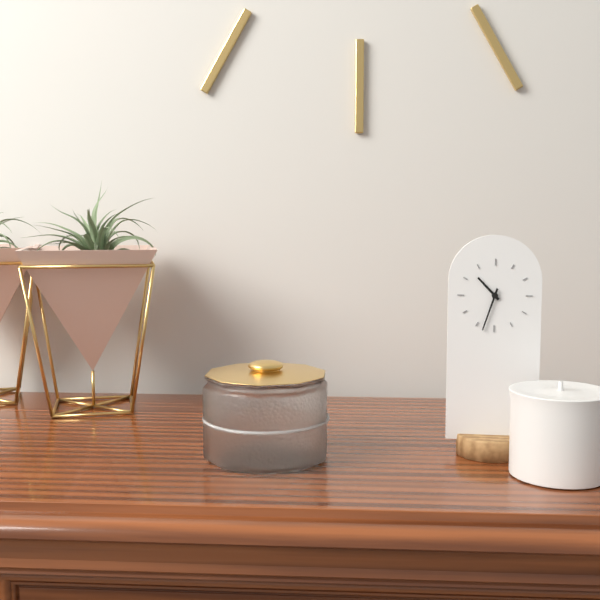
10:33
